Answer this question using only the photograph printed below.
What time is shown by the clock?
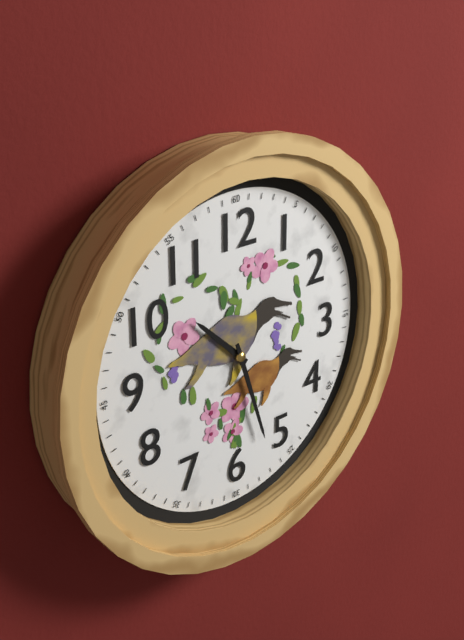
10:27
